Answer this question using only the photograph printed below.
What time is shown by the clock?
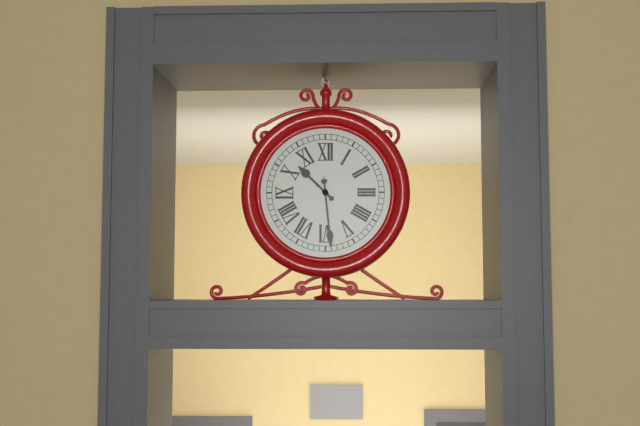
10:29
